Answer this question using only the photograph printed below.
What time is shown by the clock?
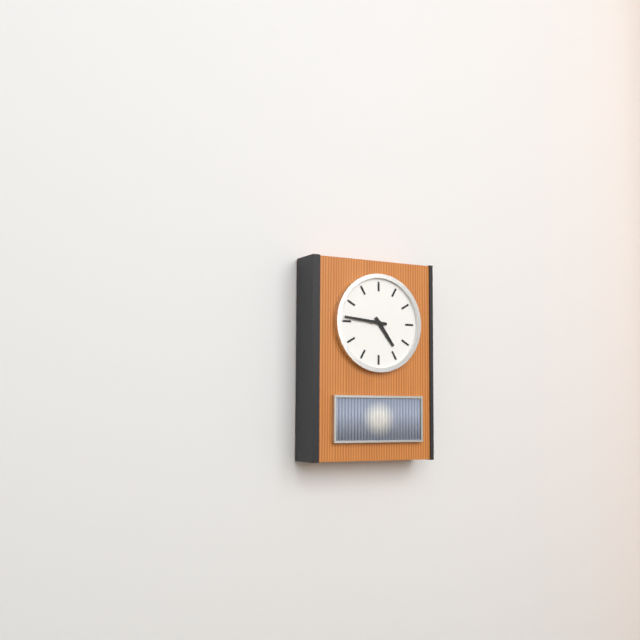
4:46
